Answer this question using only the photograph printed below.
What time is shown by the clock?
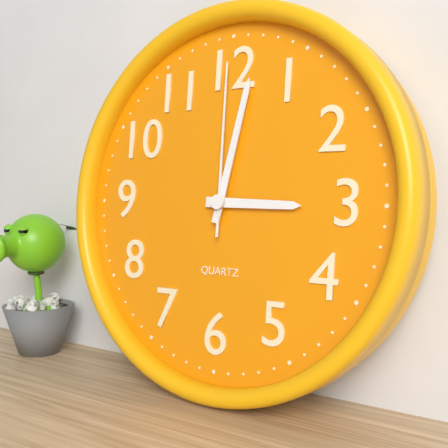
3:02:00
